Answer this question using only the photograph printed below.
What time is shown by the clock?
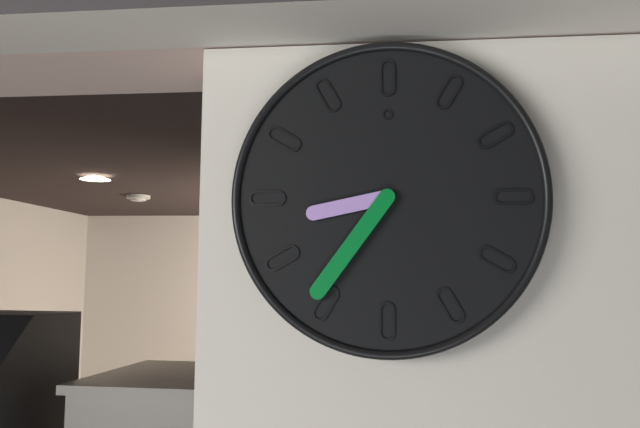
8:36
